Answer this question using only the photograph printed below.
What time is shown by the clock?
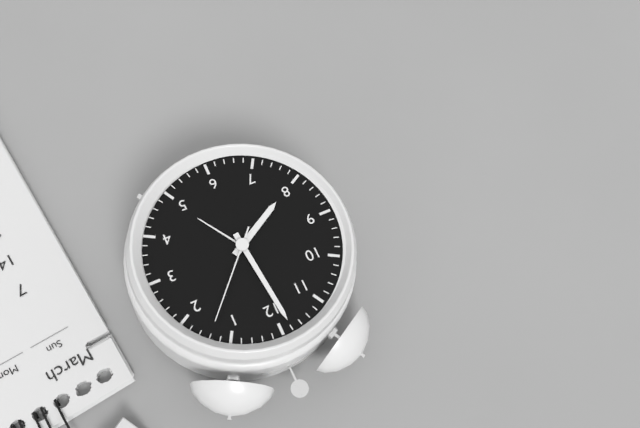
7:59:07
